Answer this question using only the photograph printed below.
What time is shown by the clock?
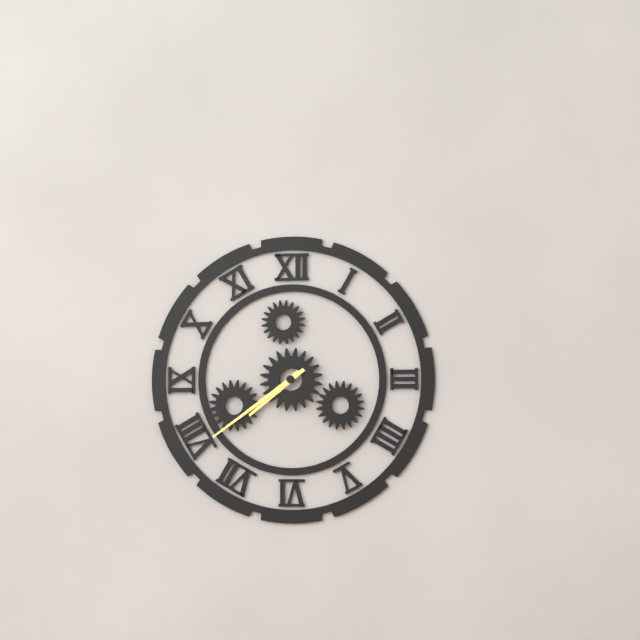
7:39
